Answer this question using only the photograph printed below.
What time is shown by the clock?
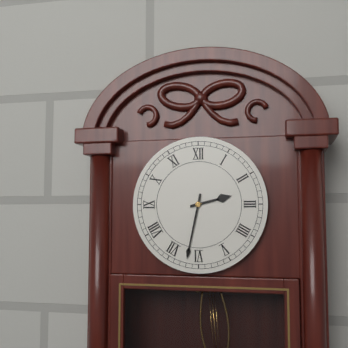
2:32
